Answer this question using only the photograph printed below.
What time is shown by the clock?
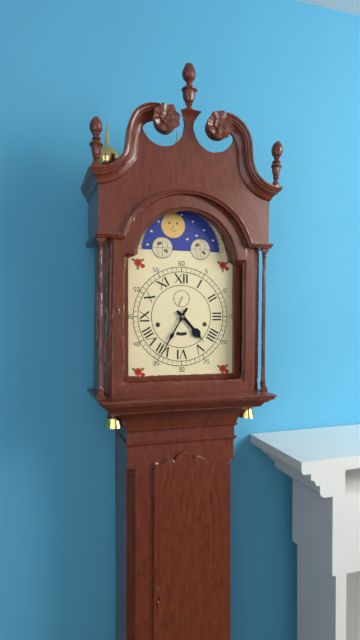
4:35
